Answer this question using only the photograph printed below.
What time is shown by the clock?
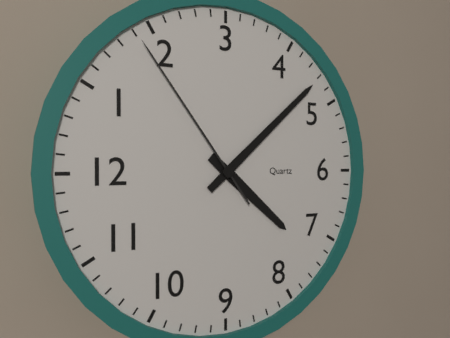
7:23:09
